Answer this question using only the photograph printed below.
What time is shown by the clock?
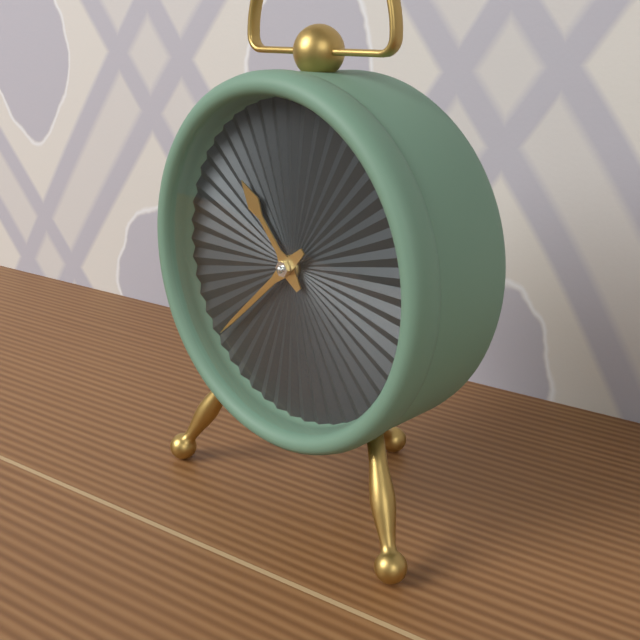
10:38
